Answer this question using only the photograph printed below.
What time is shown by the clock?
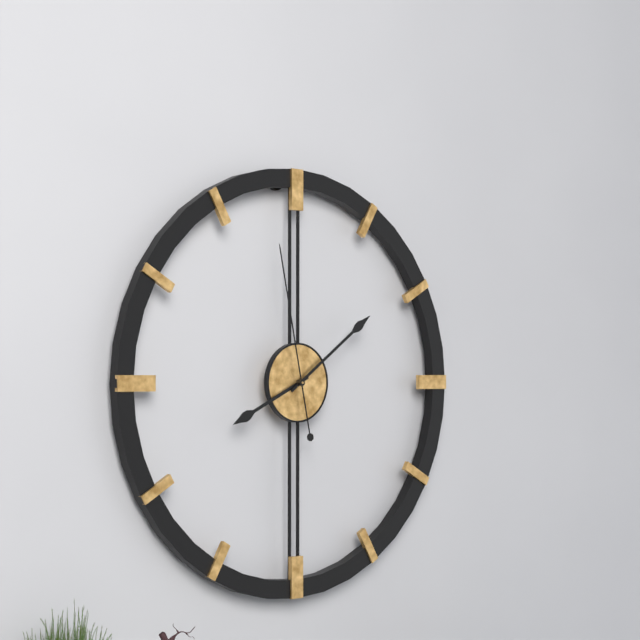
8:09:58
